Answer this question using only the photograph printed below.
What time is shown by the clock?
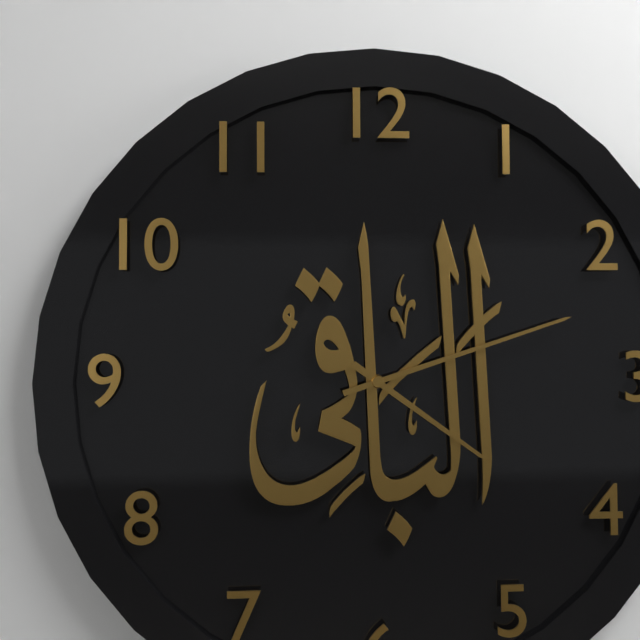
4:12
